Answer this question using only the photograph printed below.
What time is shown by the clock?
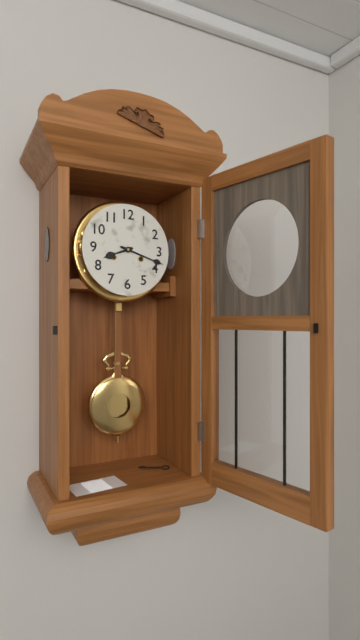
8:18
